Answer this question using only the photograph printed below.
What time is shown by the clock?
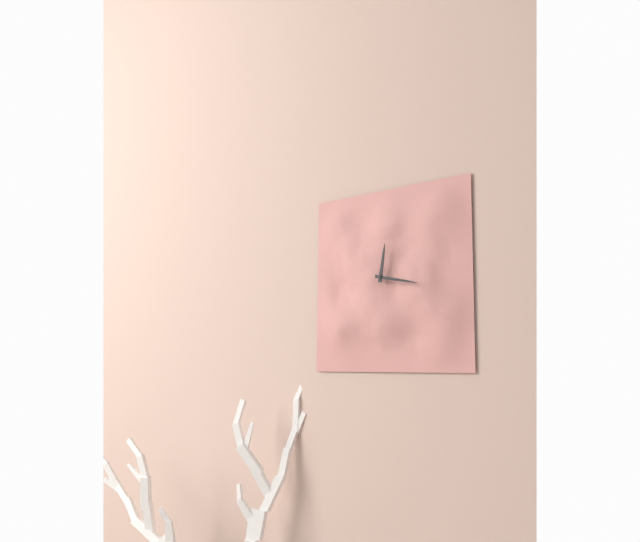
12:17
